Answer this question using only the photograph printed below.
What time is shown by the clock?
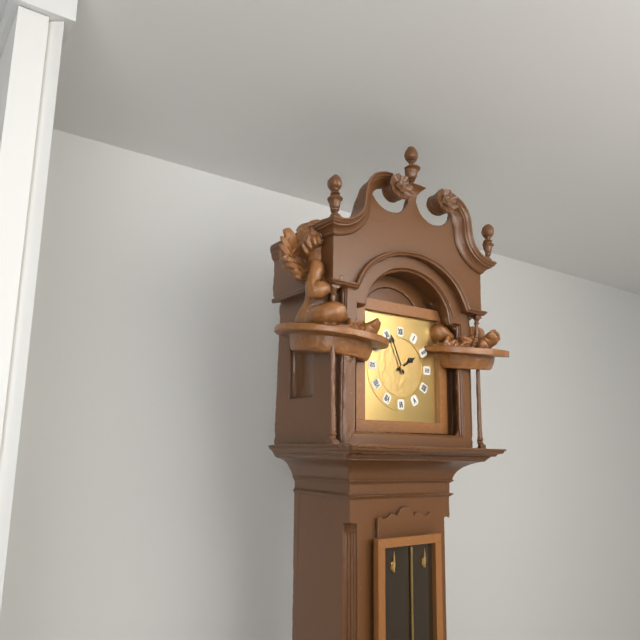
1:56
